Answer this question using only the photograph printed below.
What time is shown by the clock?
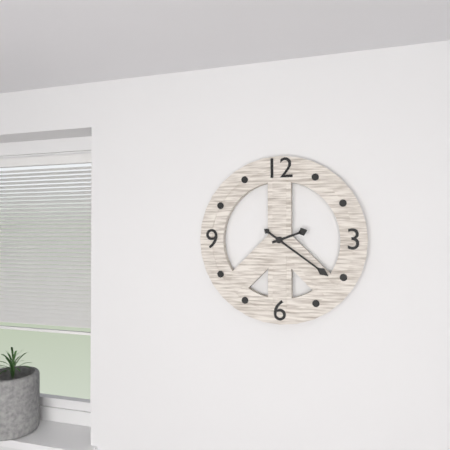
2:21
